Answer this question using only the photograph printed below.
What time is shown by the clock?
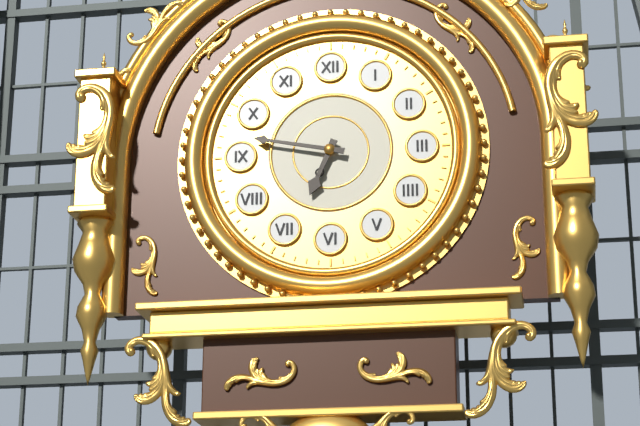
6:47
